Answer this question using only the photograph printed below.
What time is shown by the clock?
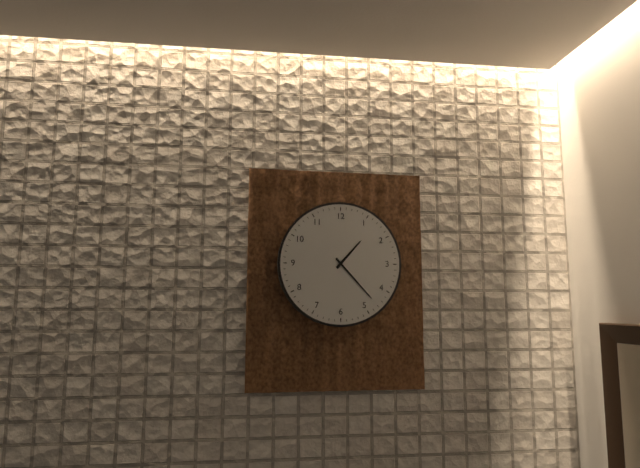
1:23
